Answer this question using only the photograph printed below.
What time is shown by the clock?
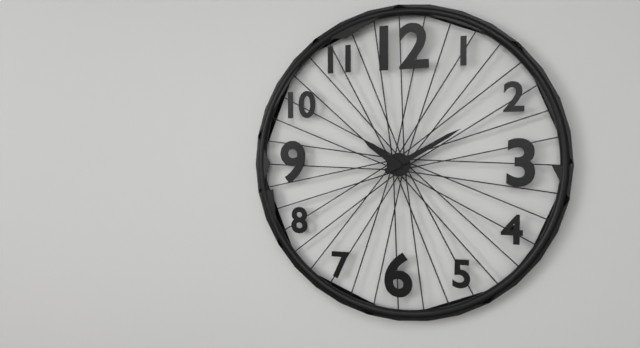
10:10
